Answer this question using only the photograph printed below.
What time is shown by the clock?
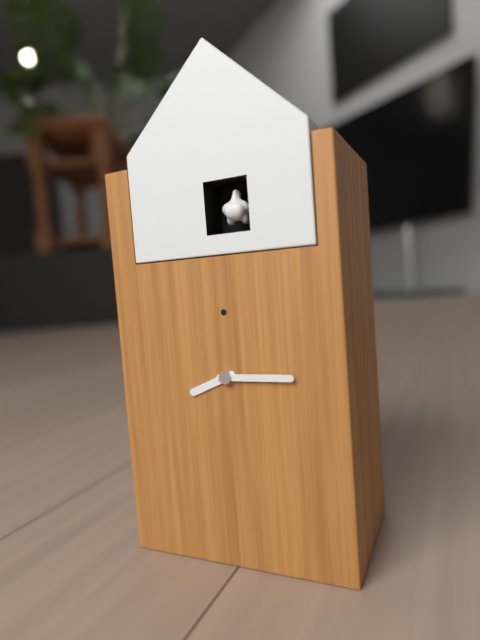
8:15
